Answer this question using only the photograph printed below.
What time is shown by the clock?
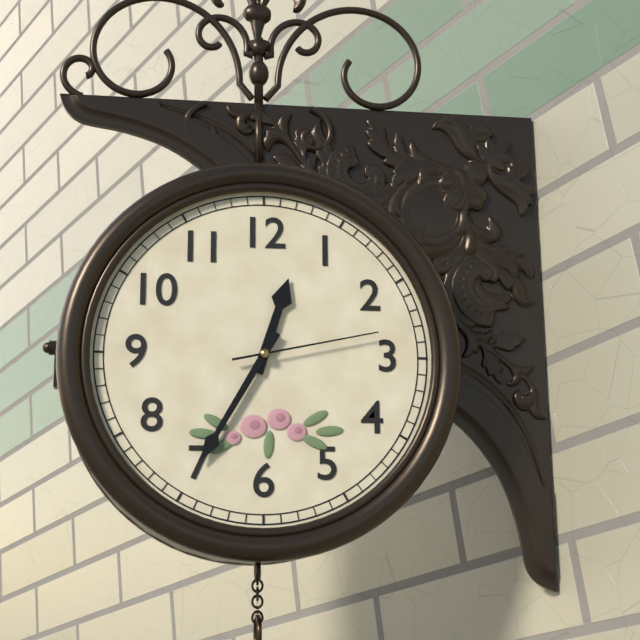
12:35:13
